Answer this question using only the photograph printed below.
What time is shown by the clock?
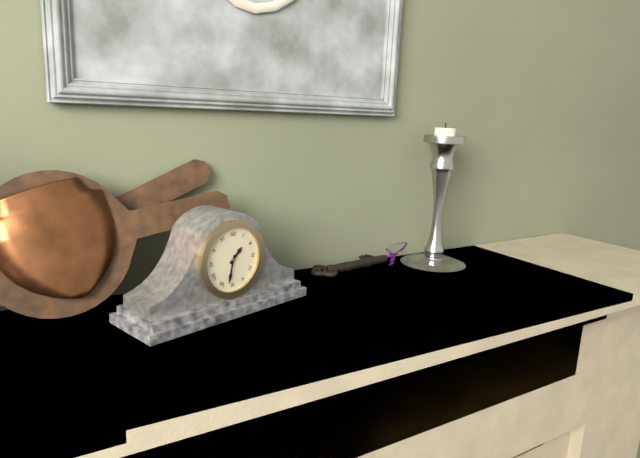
1:32
